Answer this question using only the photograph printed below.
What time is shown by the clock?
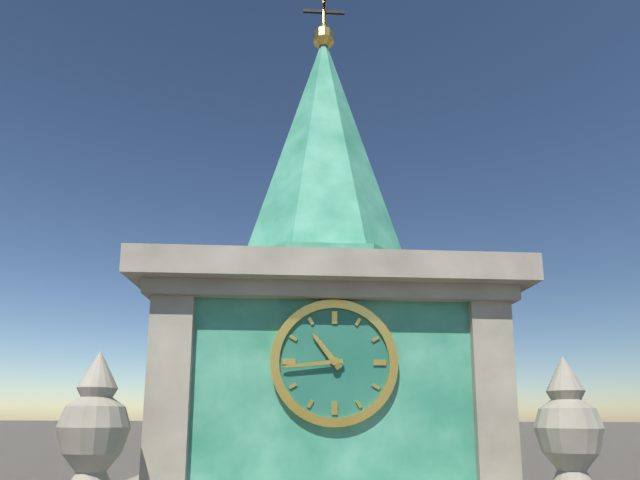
10:44
